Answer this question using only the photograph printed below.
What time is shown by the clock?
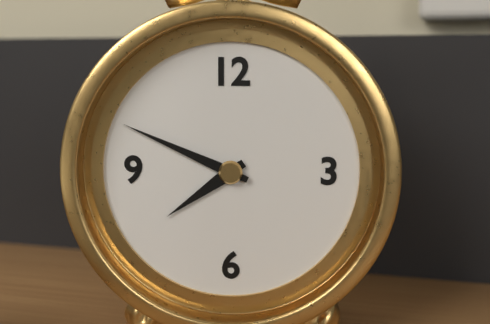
7:49
